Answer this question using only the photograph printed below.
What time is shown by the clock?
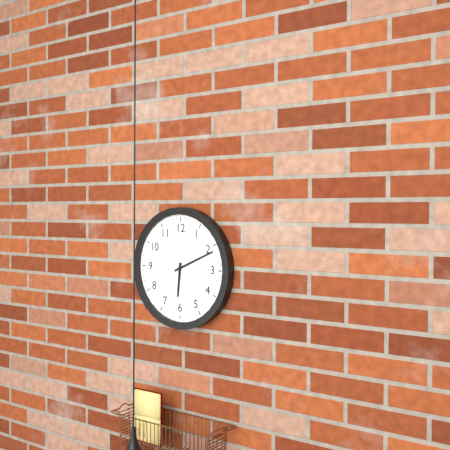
6:11
